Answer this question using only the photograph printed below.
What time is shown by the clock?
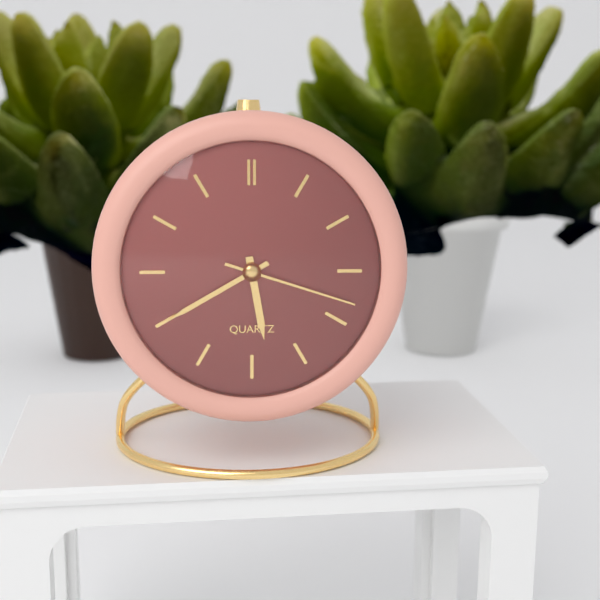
5:40:18
